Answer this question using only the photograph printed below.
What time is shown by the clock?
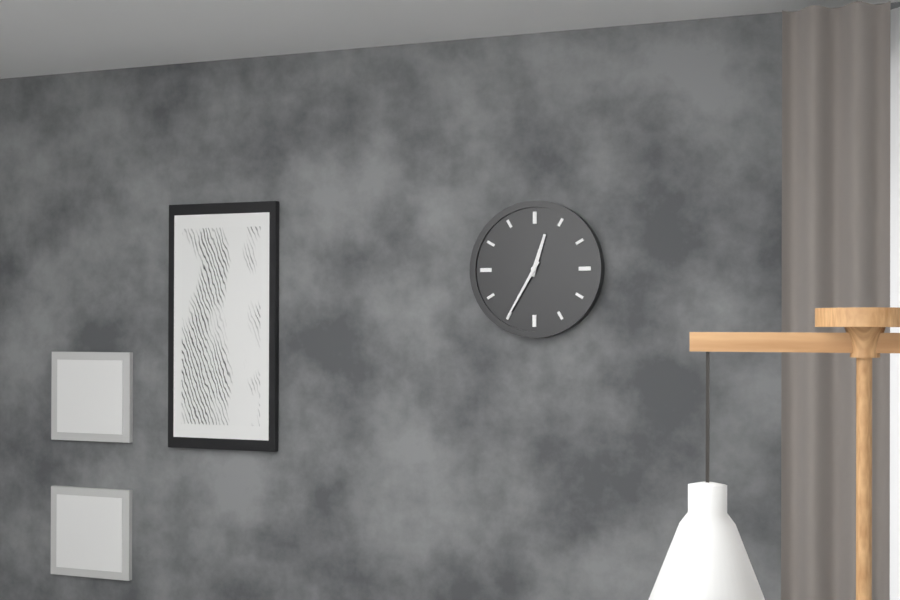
12:35
